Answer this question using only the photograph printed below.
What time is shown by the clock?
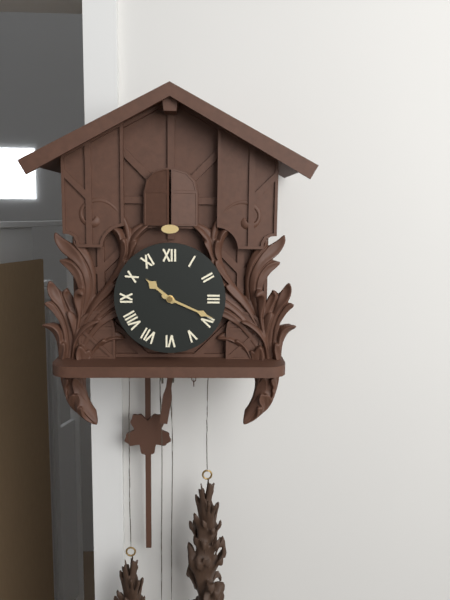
10:19
